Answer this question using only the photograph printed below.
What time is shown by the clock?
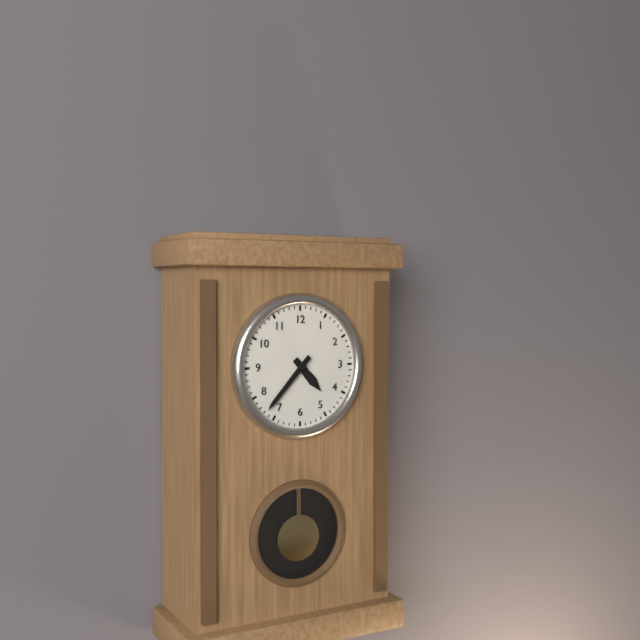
4:37
